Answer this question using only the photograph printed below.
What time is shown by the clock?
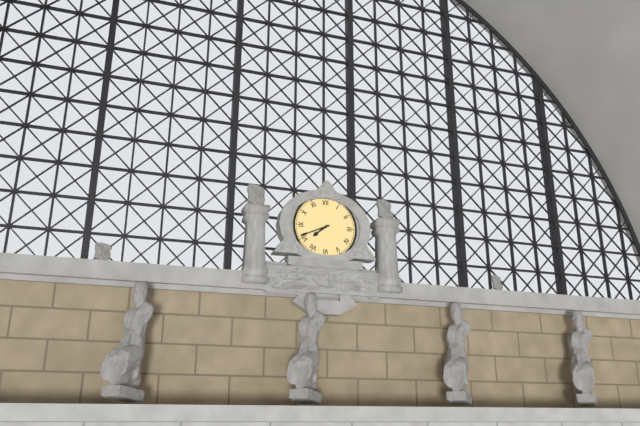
7:41
